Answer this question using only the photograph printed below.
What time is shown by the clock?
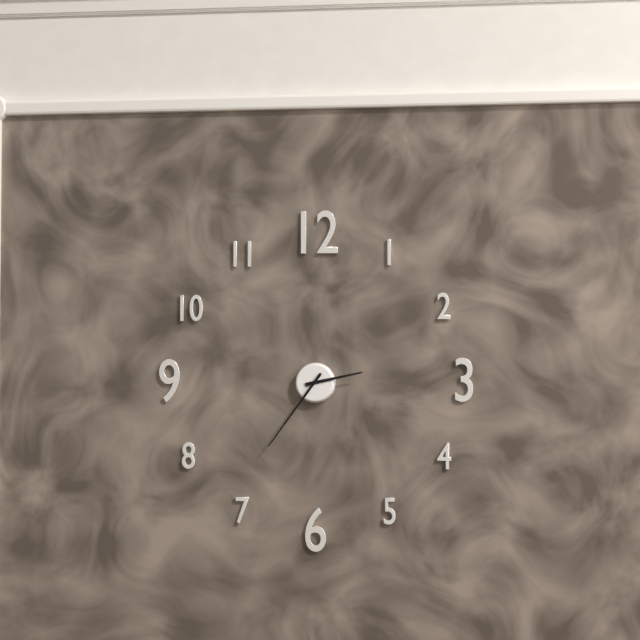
2:36
